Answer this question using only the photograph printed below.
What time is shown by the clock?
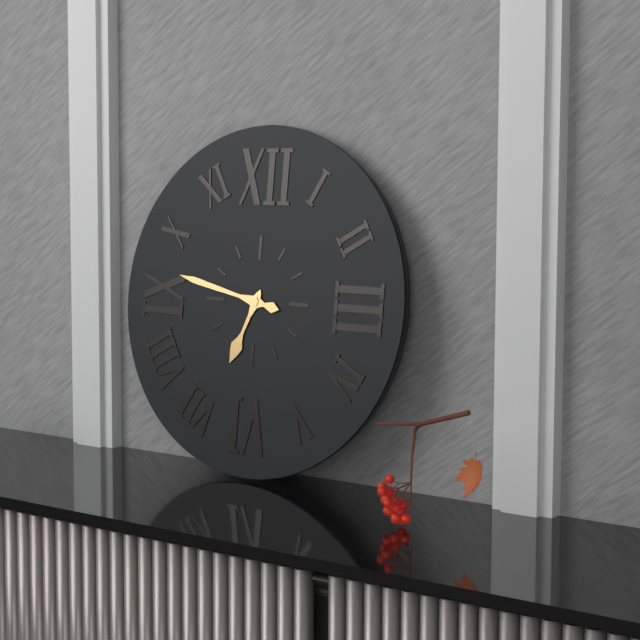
6:47
